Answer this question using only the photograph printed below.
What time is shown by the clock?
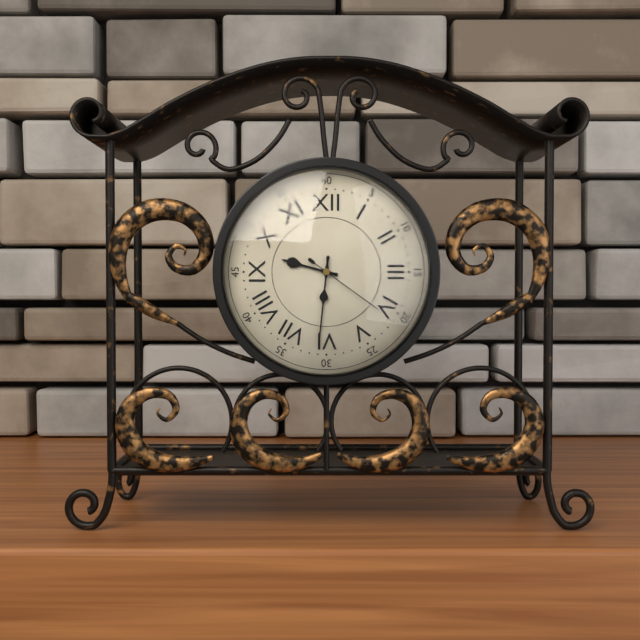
9:31:21
